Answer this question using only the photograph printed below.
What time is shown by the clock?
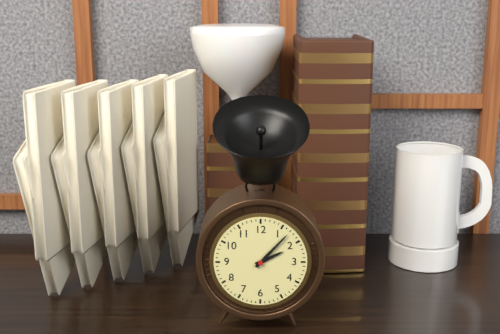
2:07
